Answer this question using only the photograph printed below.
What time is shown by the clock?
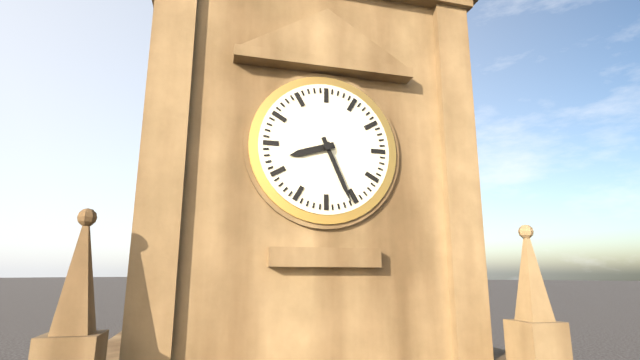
8:26
